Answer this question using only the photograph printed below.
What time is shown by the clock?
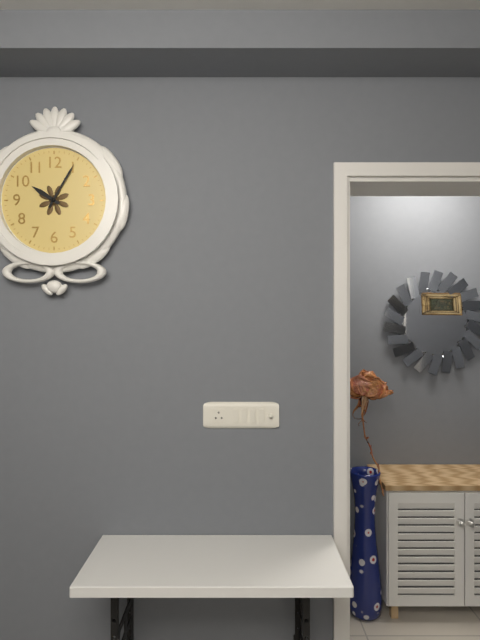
10:05
